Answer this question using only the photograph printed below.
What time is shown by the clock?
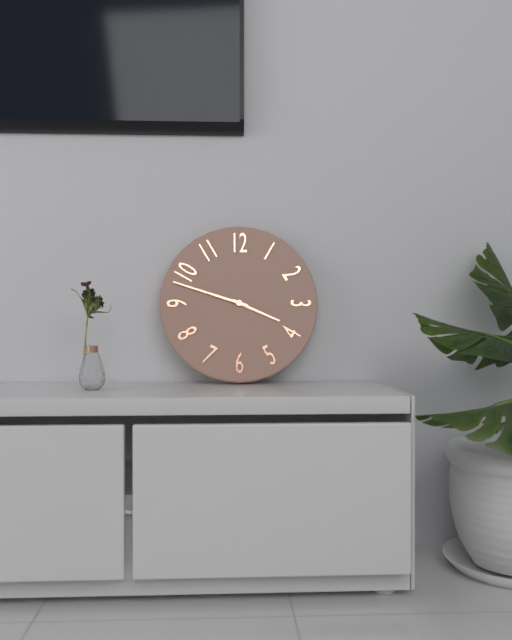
3:48
